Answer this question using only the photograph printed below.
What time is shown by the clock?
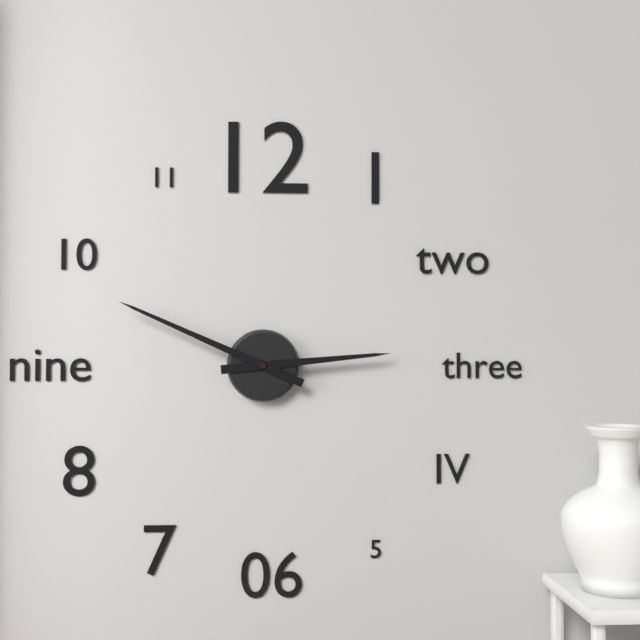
2:49
